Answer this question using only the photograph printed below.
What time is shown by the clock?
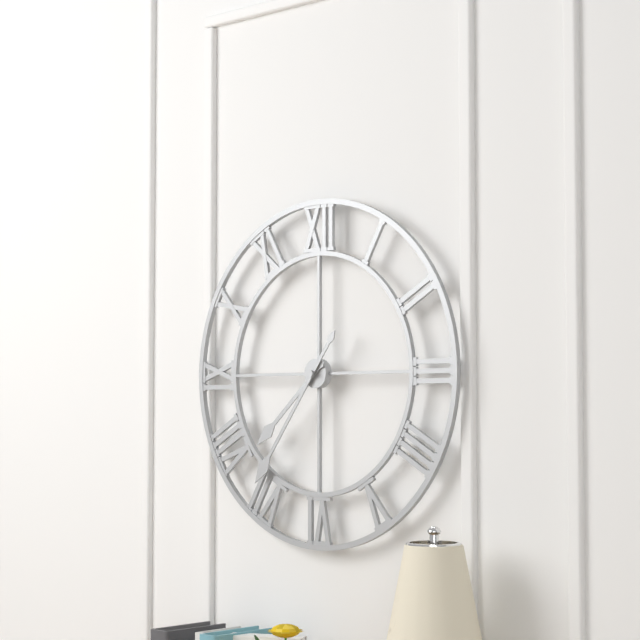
7:36
